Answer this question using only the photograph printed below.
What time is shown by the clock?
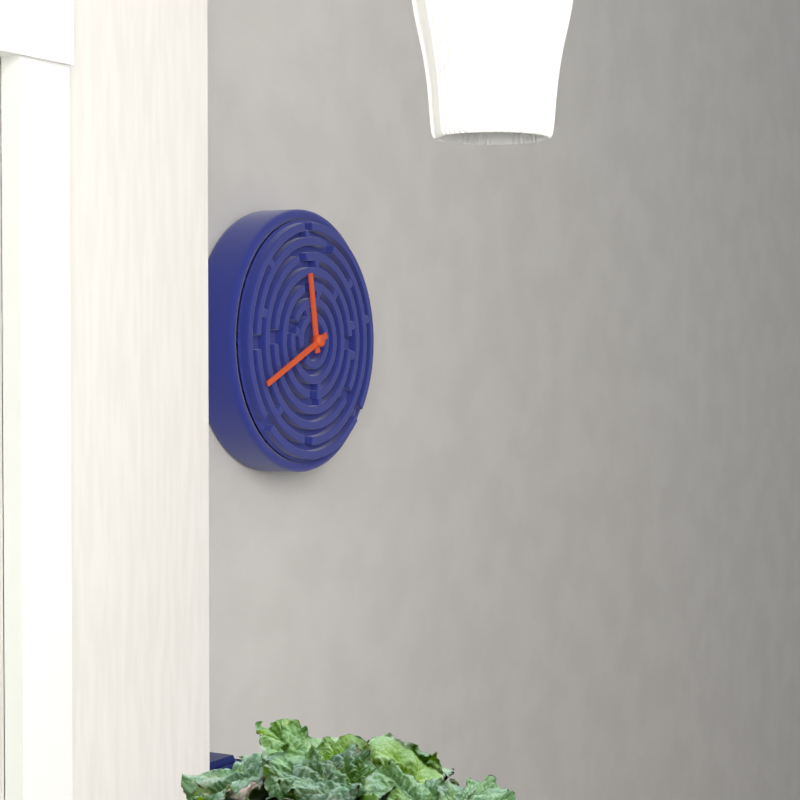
11:41
